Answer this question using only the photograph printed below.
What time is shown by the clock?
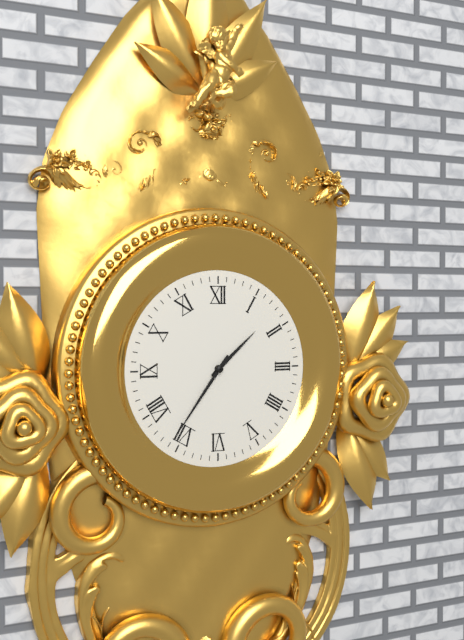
1:36
